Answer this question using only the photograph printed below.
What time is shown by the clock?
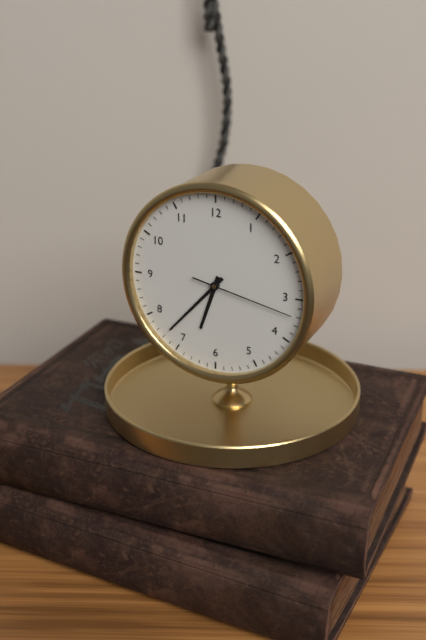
6:37:17
